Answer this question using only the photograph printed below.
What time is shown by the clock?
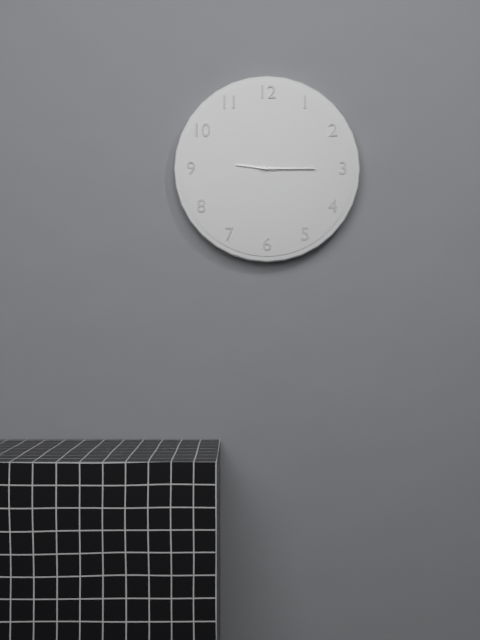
9:15
